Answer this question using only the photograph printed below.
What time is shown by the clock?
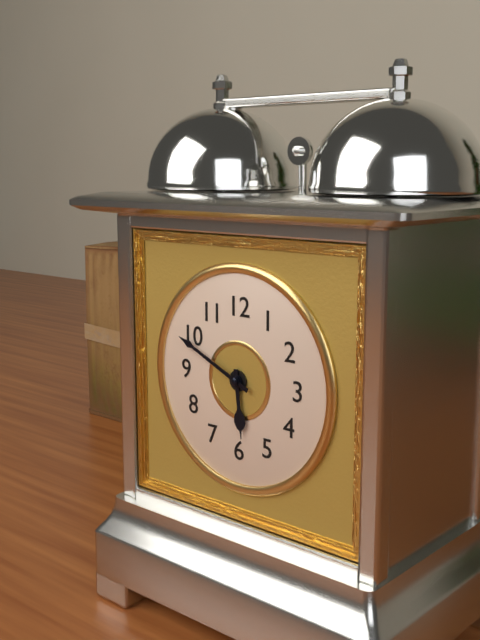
5:49
